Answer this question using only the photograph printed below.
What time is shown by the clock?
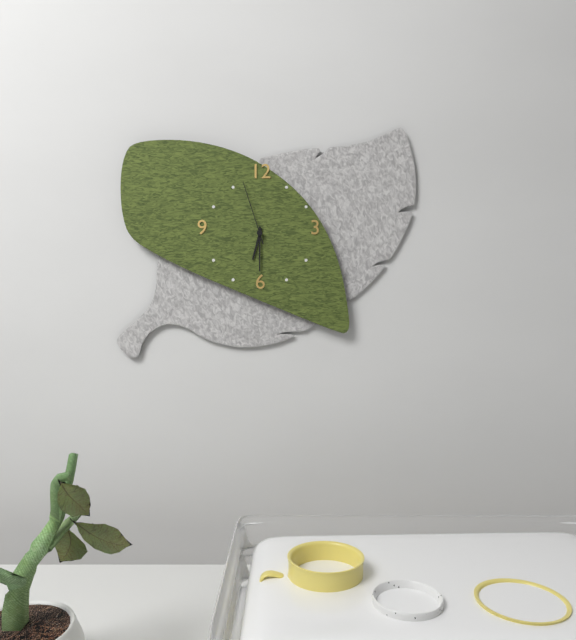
6:30:57
